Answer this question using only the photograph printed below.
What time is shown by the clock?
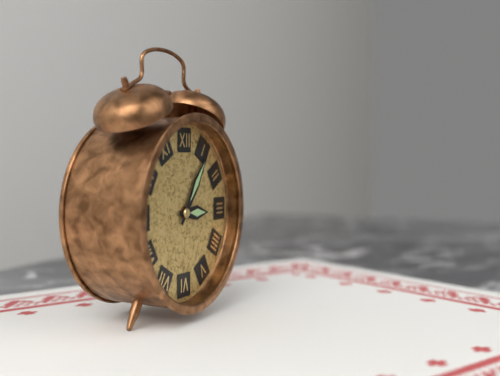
3:06
